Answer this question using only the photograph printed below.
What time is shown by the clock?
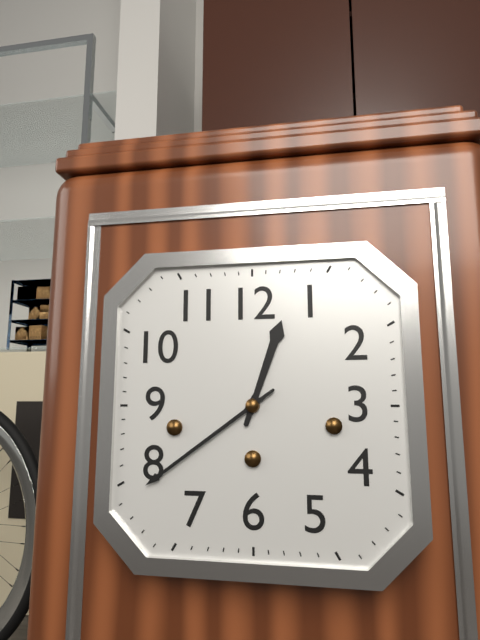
12:39
